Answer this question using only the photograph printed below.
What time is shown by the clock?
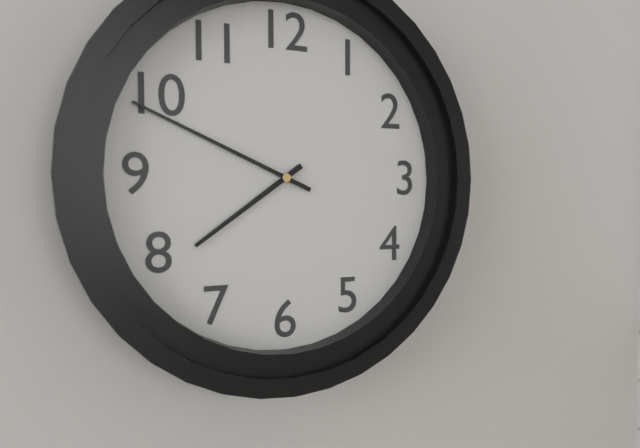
7:49
